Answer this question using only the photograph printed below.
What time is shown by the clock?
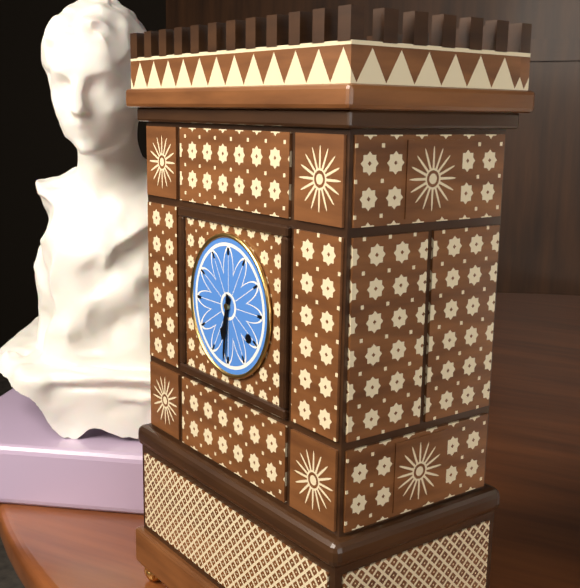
6:31
